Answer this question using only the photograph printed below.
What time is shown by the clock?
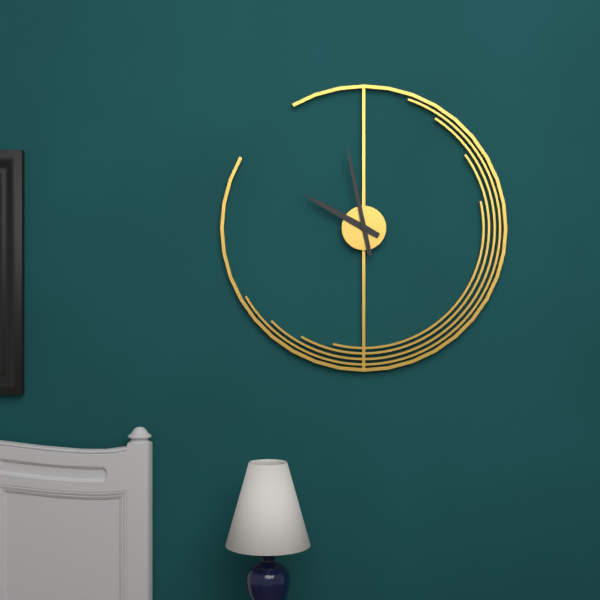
9:58
